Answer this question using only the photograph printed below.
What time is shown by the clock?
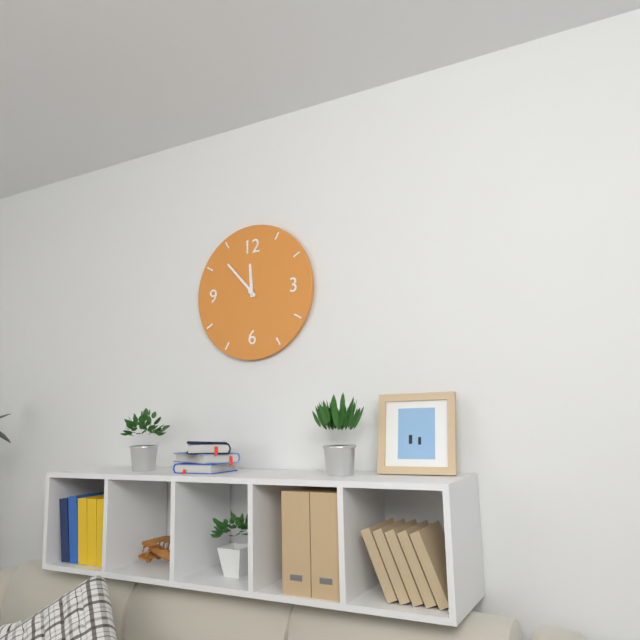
11:53
